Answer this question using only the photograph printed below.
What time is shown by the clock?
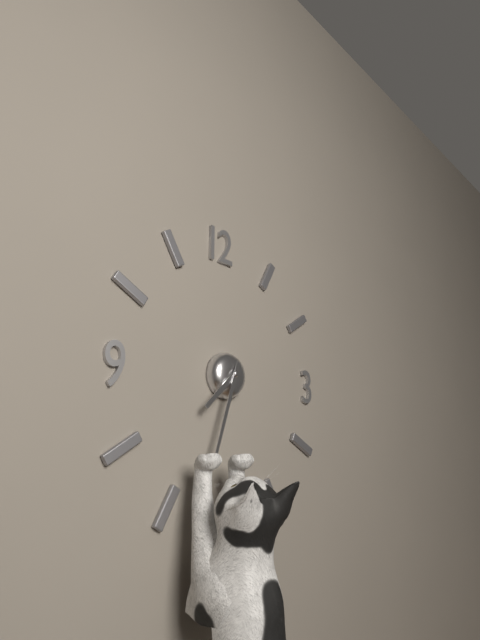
7:33
